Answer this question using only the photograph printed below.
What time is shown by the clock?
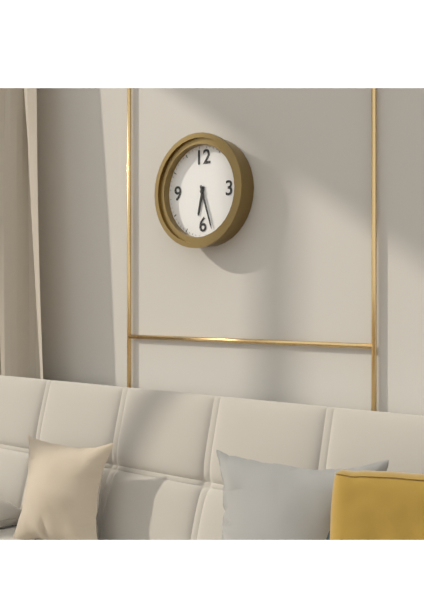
6:27
